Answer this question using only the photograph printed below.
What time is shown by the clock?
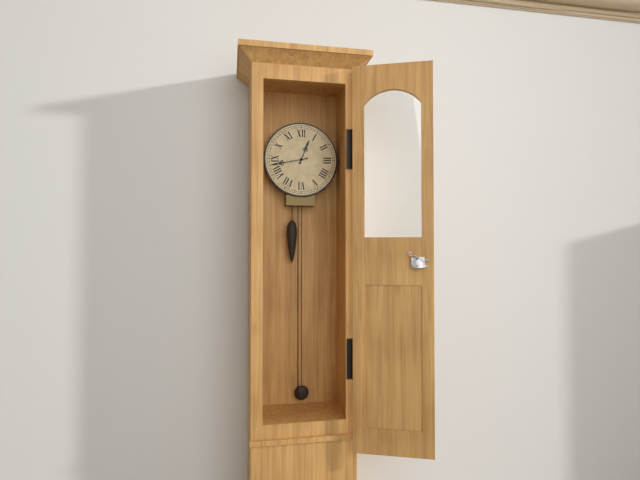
12:43
